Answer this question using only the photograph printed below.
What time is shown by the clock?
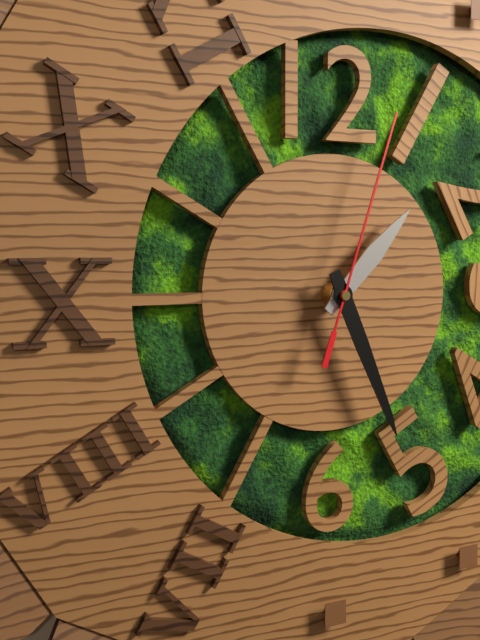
1:26:03
